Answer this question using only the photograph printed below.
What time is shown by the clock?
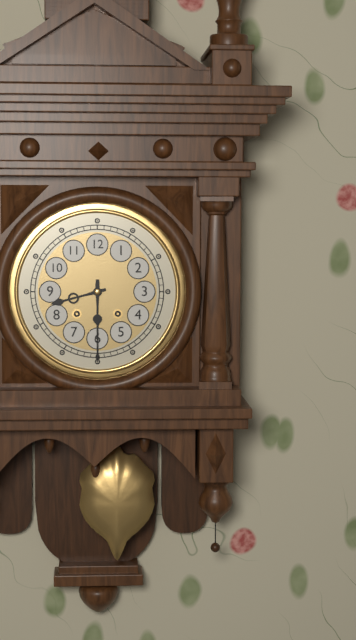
8:30
